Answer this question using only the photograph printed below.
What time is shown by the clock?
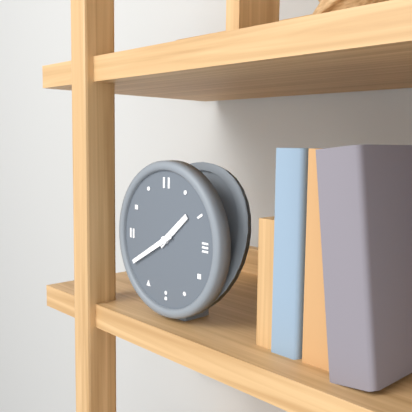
1:40
